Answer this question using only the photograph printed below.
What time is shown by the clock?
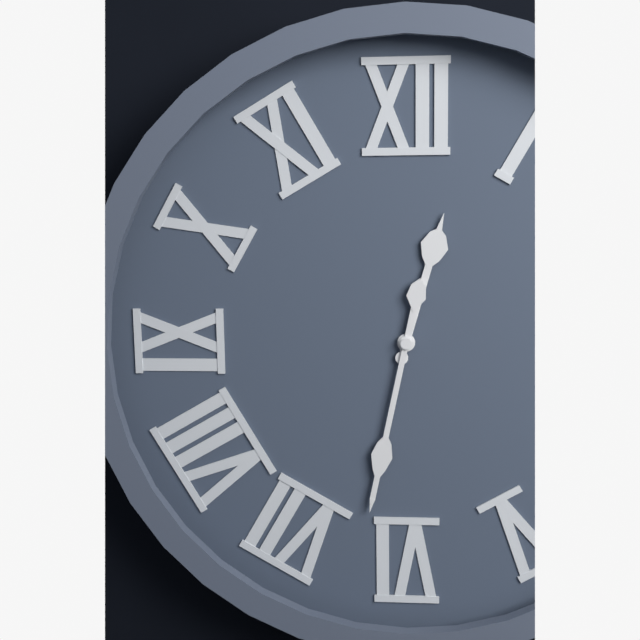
12:32
